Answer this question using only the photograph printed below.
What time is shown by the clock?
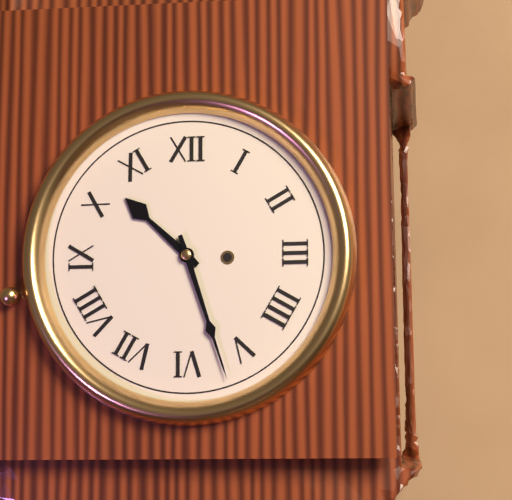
10:27
